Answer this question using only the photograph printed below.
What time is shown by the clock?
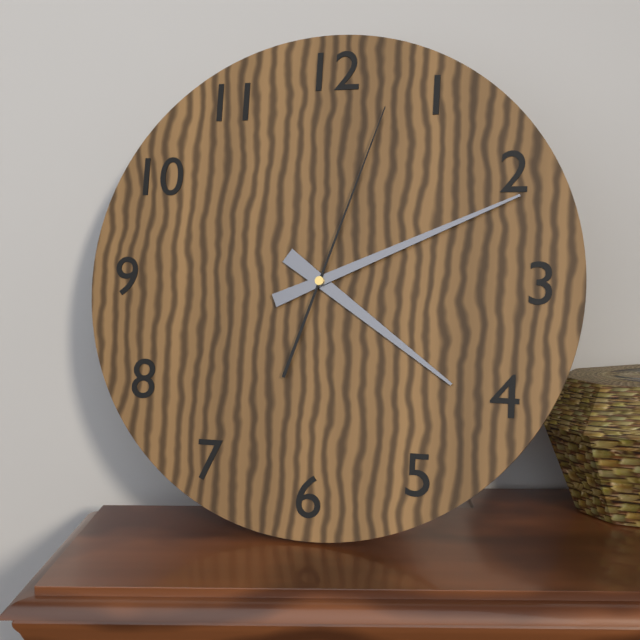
4:11:03
